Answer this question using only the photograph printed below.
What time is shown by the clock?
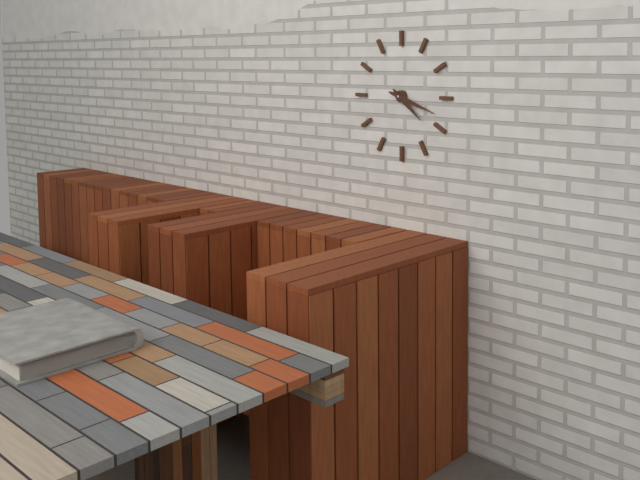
4:18
